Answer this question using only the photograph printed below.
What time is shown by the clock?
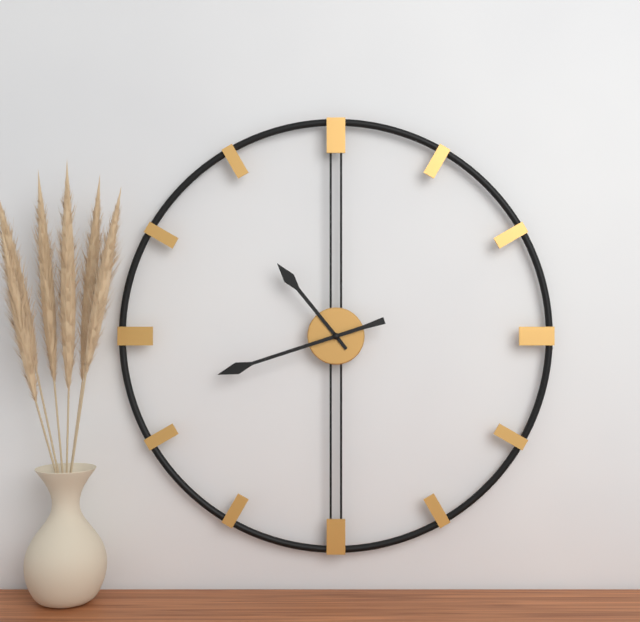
10:42
